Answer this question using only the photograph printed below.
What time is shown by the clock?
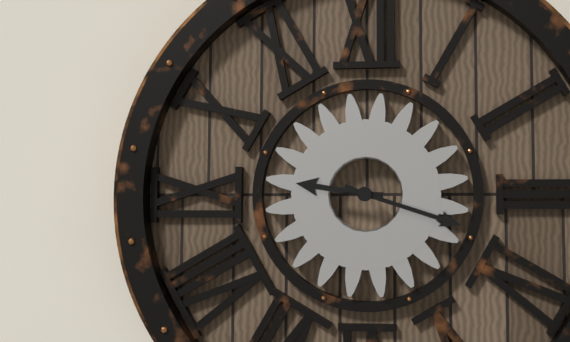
9:18
